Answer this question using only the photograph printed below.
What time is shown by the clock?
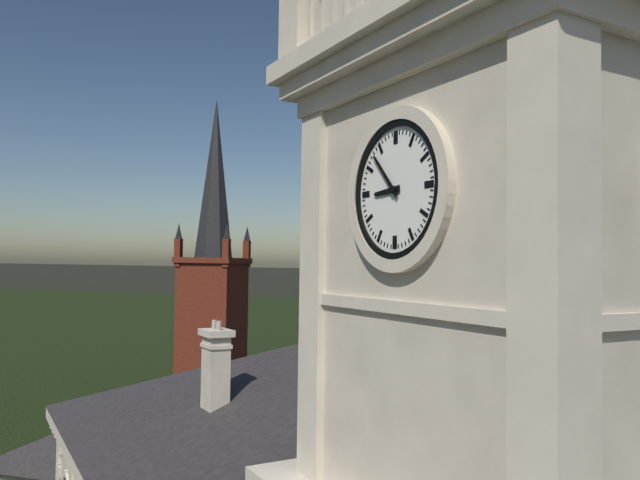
8:53
